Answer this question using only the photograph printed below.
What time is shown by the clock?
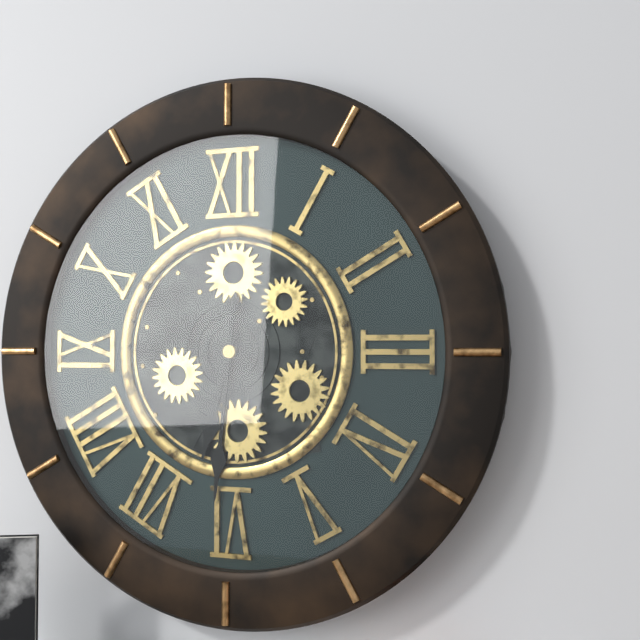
6:31
